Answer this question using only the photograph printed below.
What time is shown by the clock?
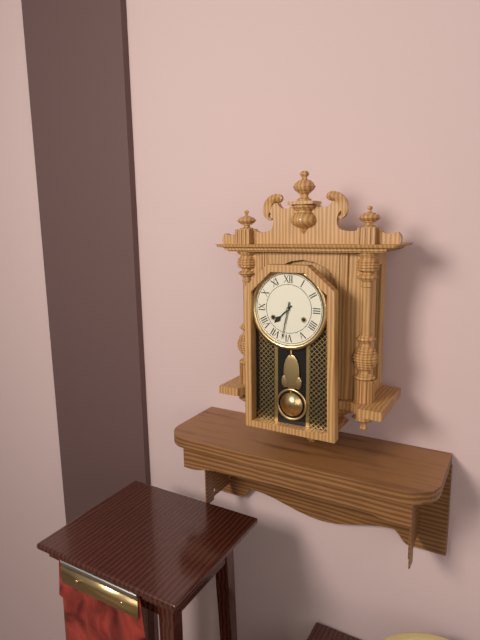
7:32
